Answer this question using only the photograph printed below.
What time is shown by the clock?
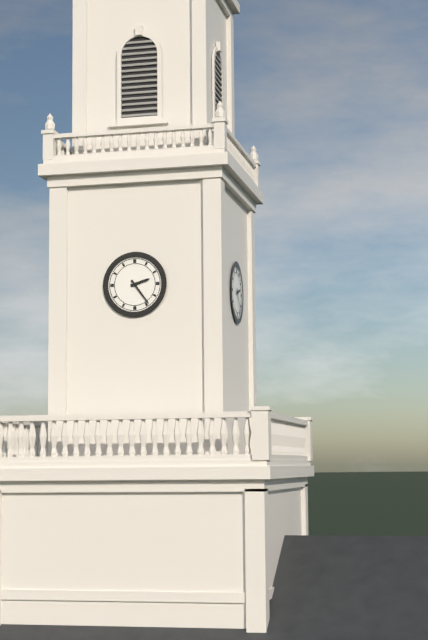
2:24
